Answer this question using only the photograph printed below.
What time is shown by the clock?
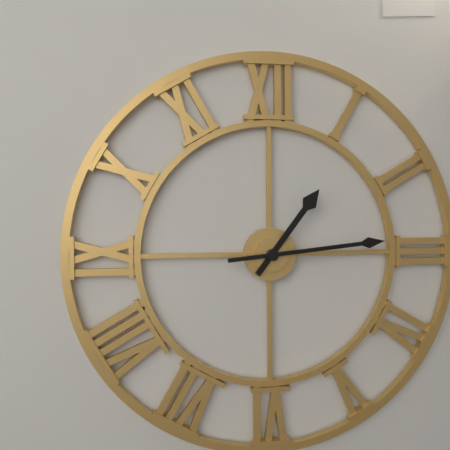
1:14
